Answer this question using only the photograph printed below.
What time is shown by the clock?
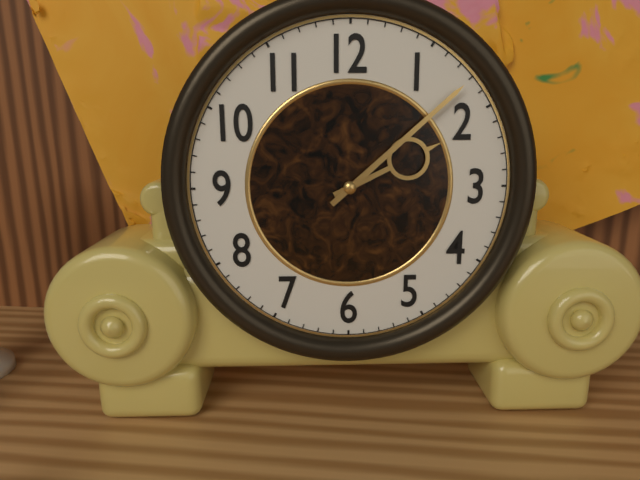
2:08
